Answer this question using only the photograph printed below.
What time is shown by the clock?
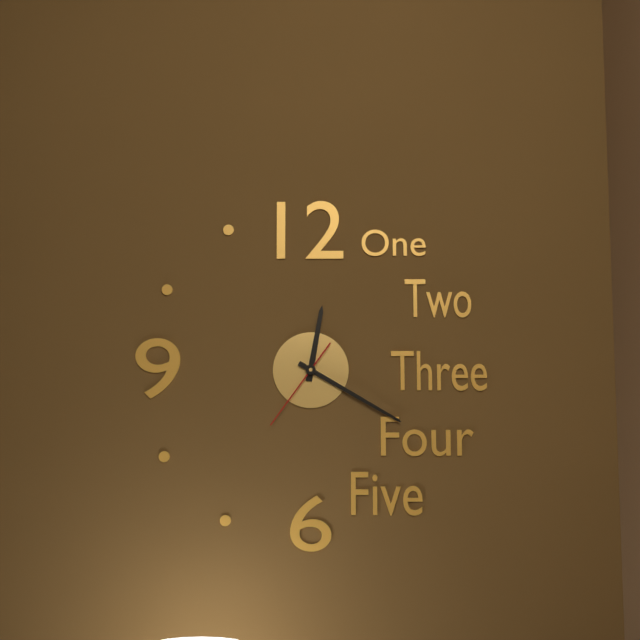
12:20:36
